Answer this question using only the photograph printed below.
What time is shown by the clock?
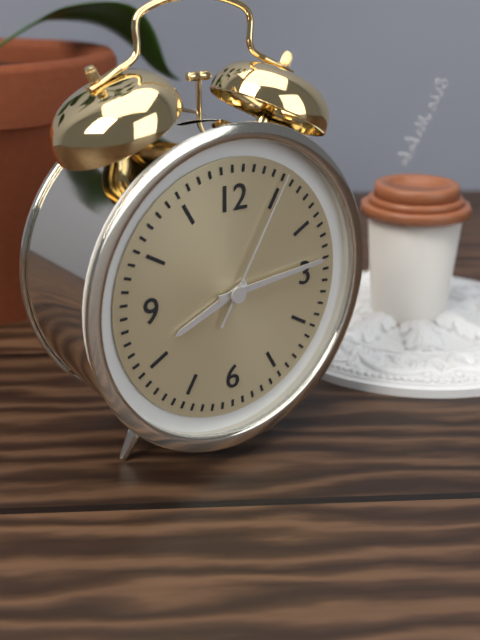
8:14:05
